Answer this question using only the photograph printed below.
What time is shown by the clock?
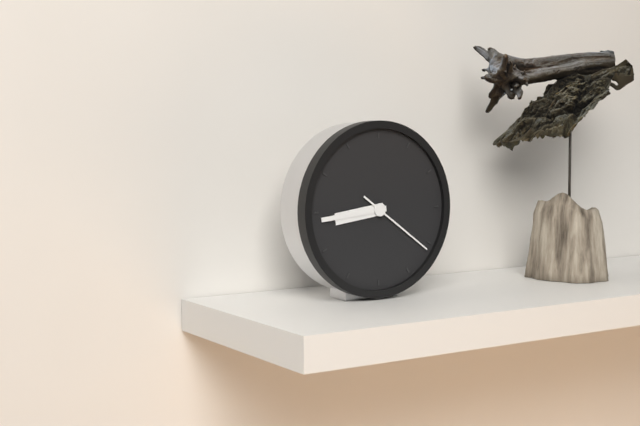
8:44:21
